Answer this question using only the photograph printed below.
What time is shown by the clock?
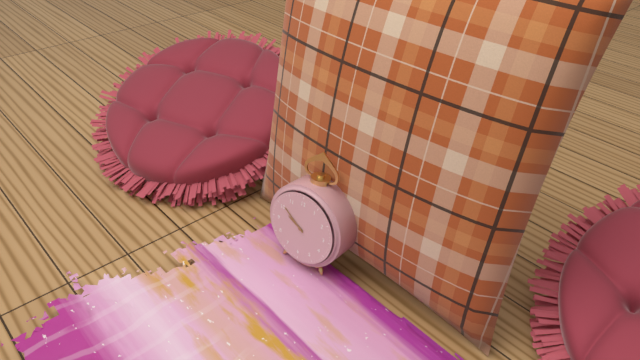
9:51
